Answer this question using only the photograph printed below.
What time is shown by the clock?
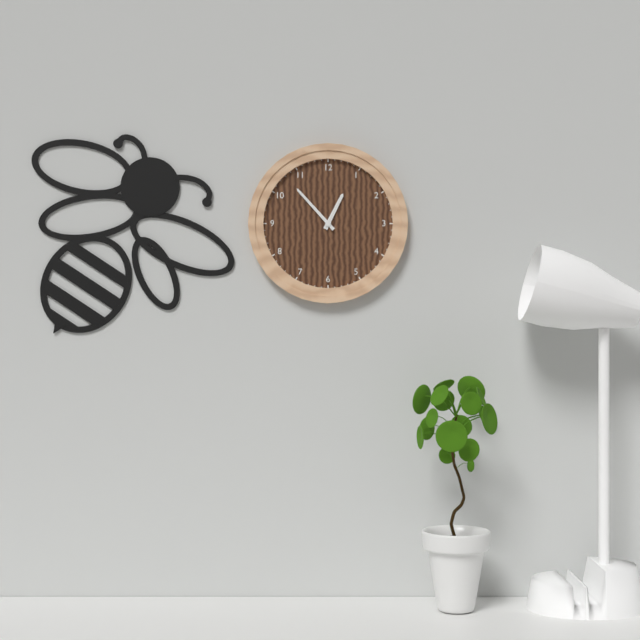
12:53
